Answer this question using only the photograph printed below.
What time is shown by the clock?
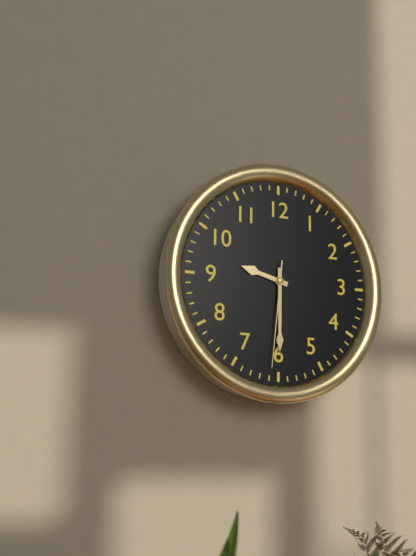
9:30:31
